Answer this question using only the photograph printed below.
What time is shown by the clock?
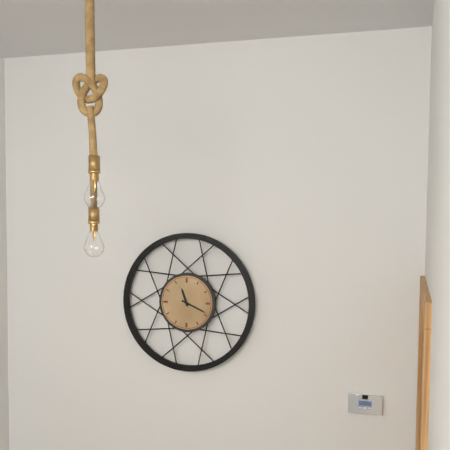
11:19
